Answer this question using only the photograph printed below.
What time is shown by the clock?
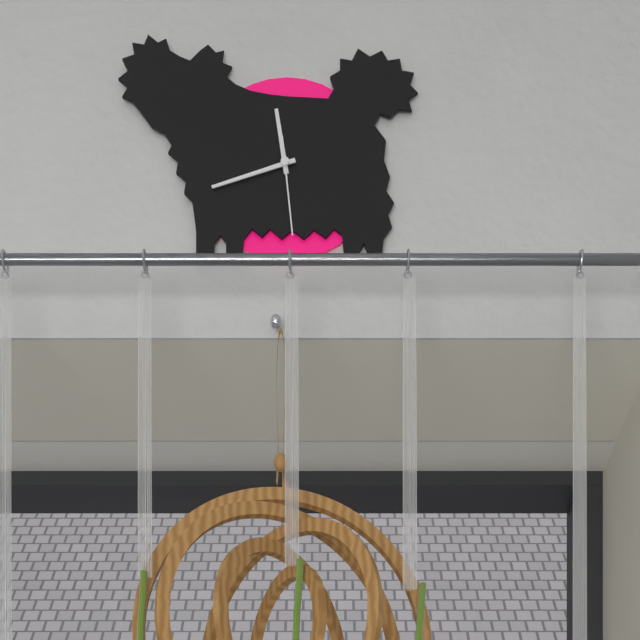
11:42:29
